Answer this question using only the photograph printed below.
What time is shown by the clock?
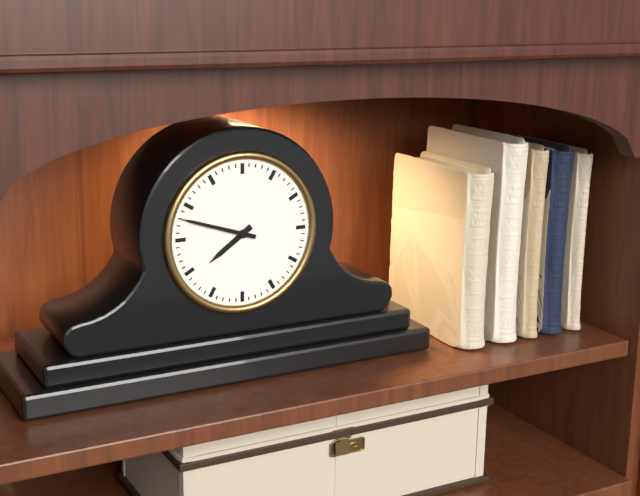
7:48
